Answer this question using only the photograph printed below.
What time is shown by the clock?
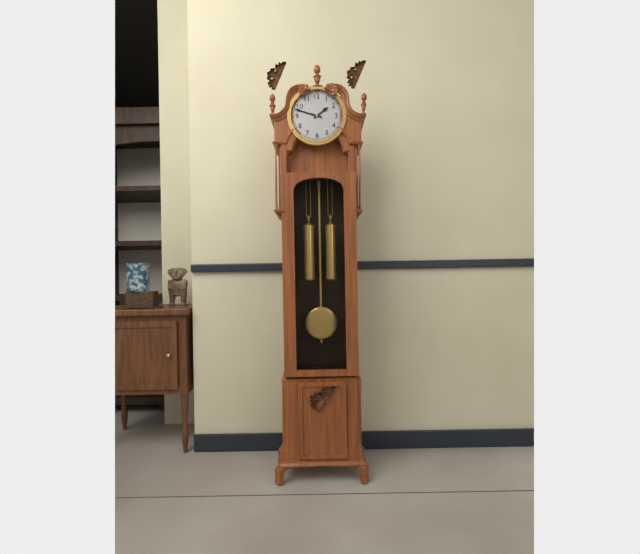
1:48
